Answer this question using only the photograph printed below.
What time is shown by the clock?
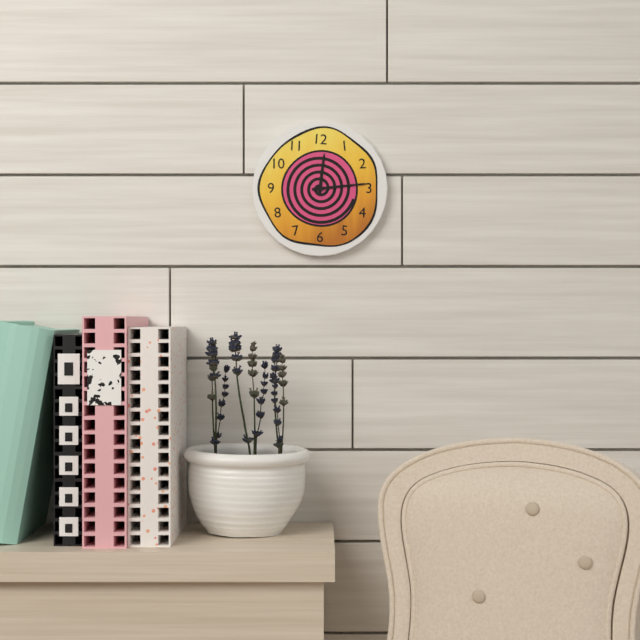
12:14
